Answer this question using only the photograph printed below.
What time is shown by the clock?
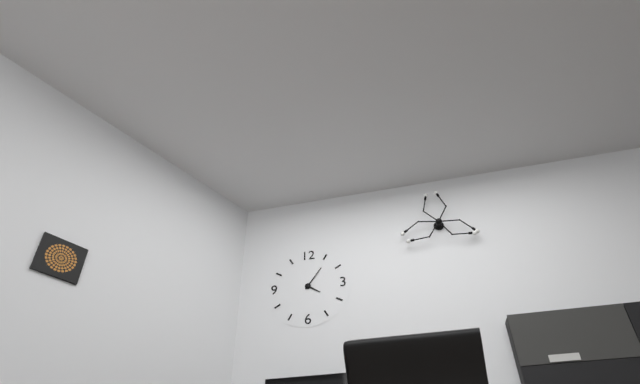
4:06
